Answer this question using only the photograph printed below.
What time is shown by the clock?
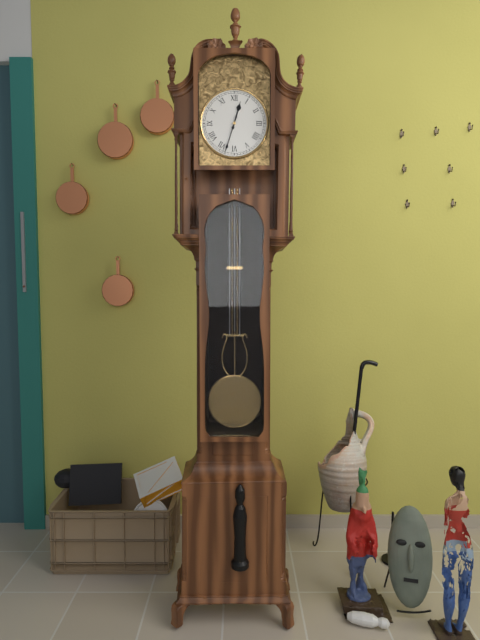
12:33
